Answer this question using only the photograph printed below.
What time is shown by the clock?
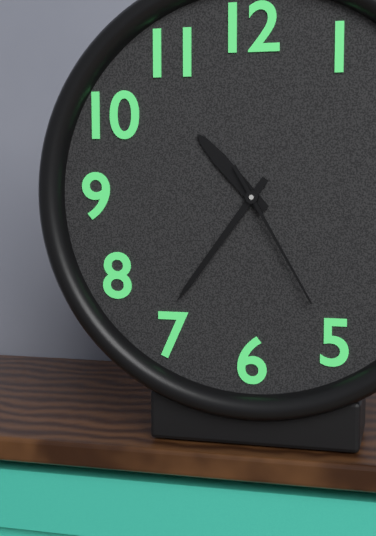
10:36:25
